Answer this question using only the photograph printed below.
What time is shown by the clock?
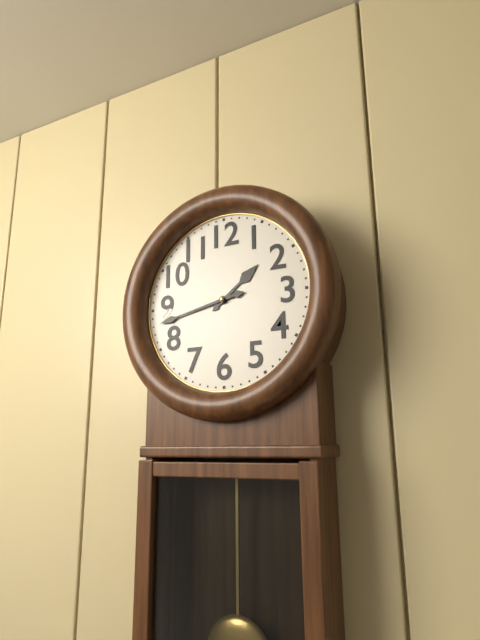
1:43
